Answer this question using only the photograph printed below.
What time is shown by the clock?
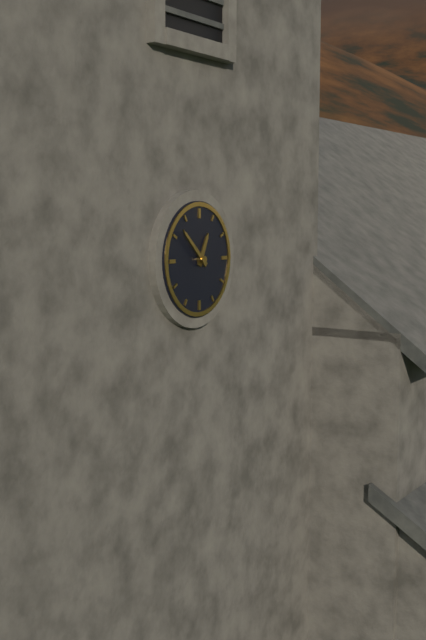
12:52
